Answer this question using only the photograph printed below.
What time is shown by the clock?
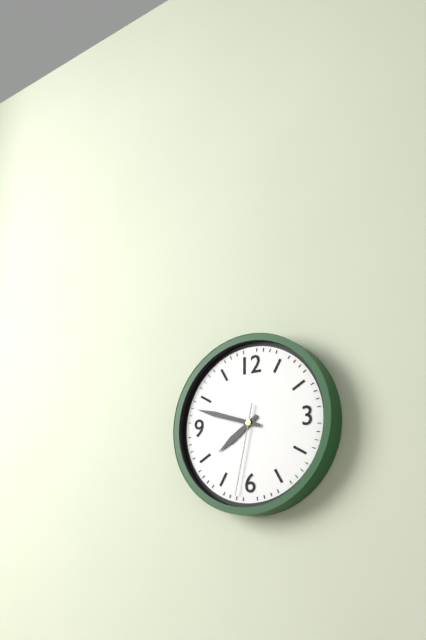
7:48:32
